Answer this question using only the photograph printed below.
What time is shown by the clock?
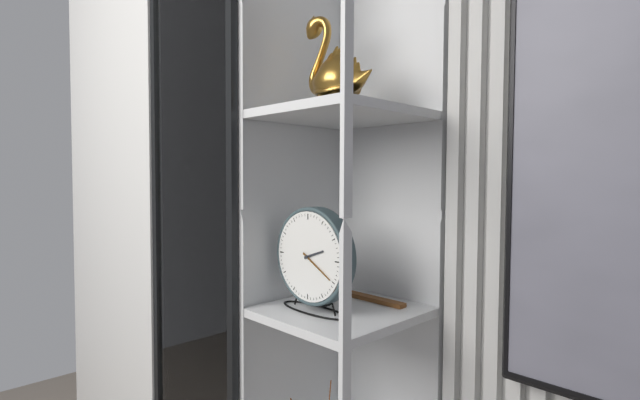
2:20
